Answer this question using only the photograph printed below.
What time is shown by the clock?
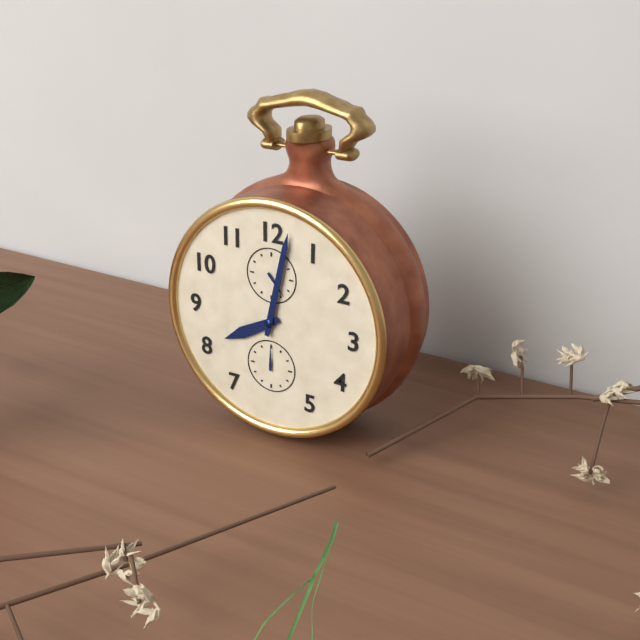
8:02
